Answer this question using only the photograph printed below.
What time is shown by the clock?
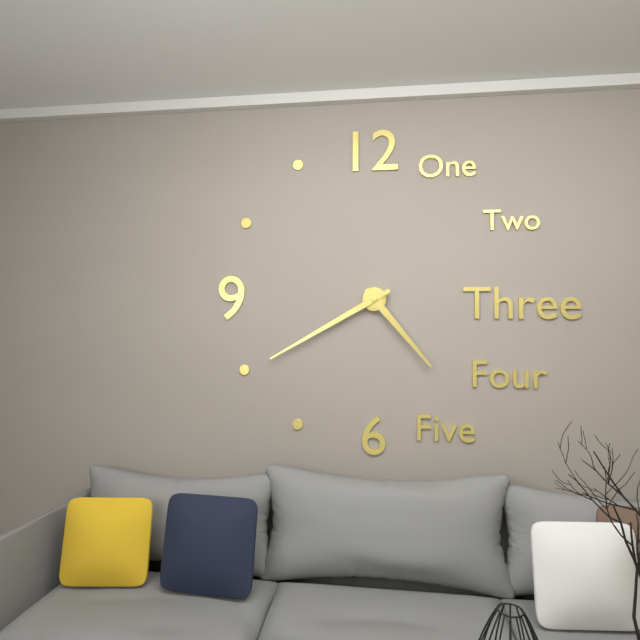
4:40
